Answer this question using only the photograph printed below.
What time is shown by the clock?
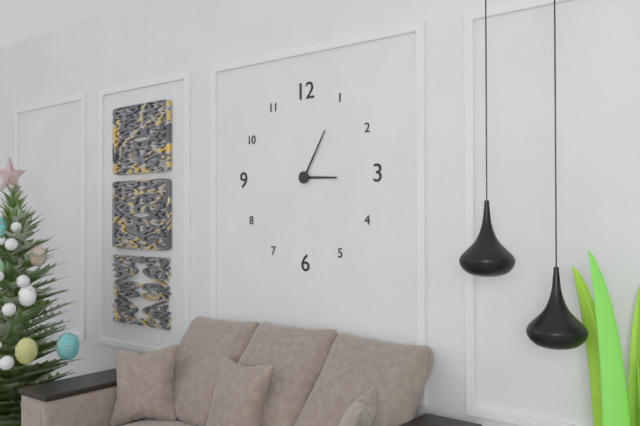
3:05
